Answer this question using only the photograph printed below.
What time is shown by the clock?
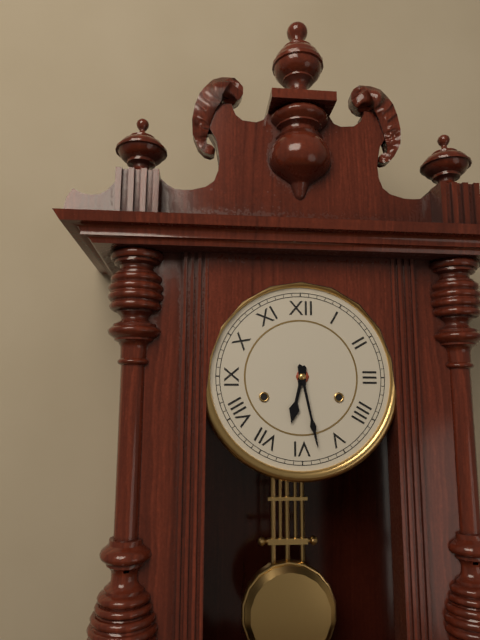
6:28
